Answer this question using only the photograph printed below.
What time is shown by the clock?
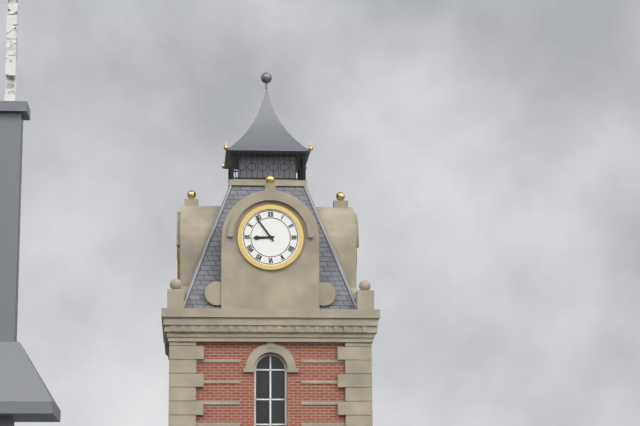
8:54
